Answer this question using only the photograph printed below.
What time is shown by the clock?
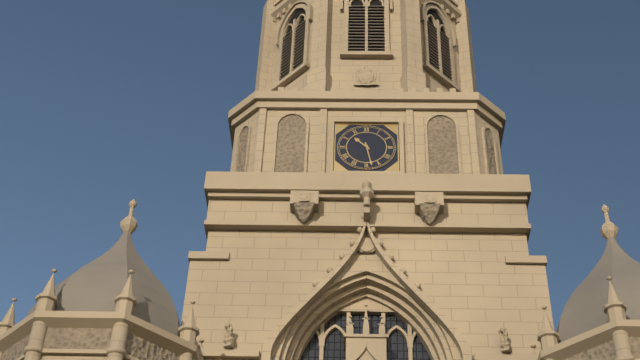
10:28
